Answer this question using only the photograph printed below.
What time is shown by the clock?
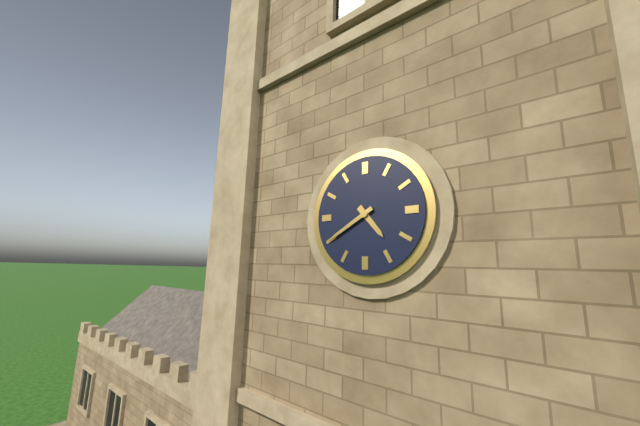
4:40
